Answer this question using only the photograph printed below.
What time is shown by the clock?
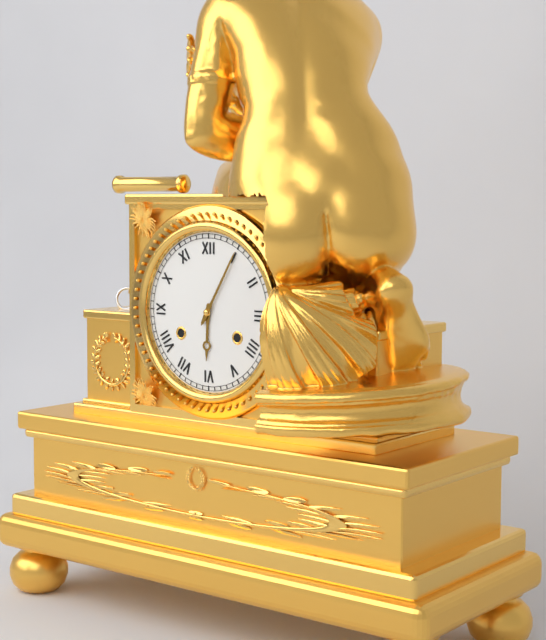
6:05
